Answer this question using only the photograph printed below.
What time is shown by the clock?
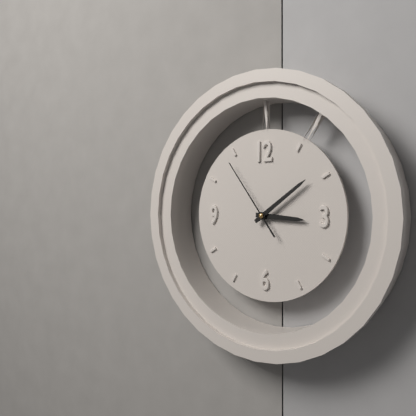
3:09:54
